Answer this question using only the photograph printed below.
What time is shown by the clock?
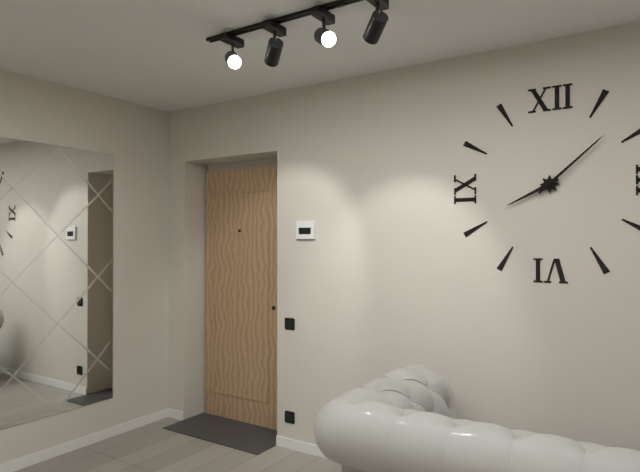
8:08
